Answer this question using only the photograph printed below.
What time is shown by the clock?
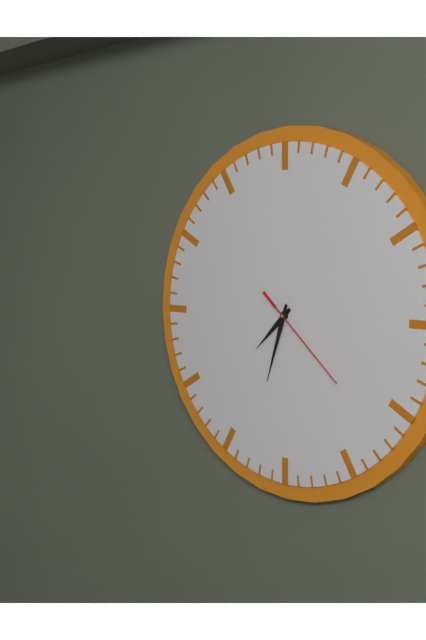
7:33:22
